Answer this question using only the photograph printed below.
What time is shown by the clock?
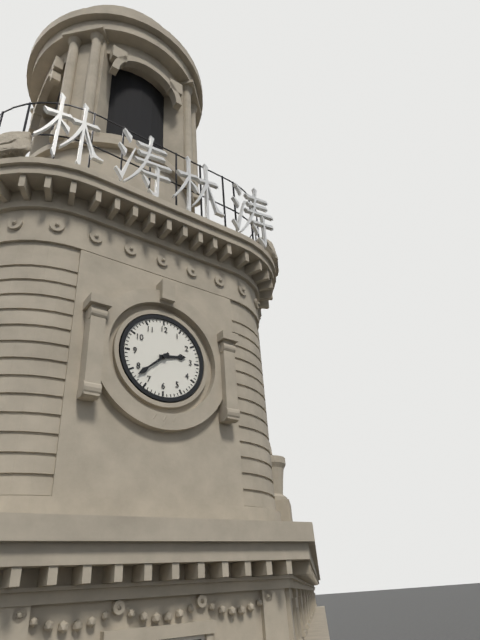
2:38
